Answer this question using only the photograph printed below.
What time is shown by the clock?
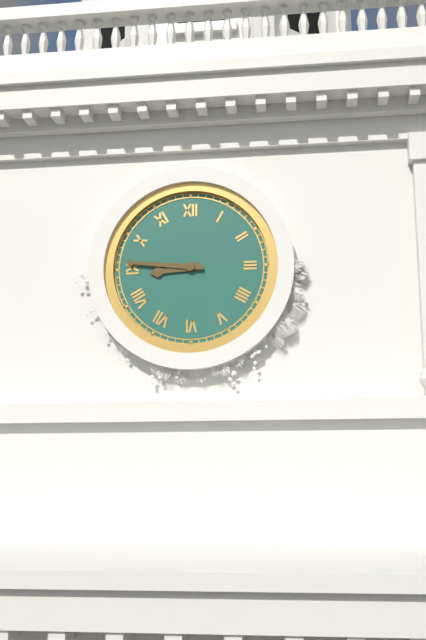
8:46
